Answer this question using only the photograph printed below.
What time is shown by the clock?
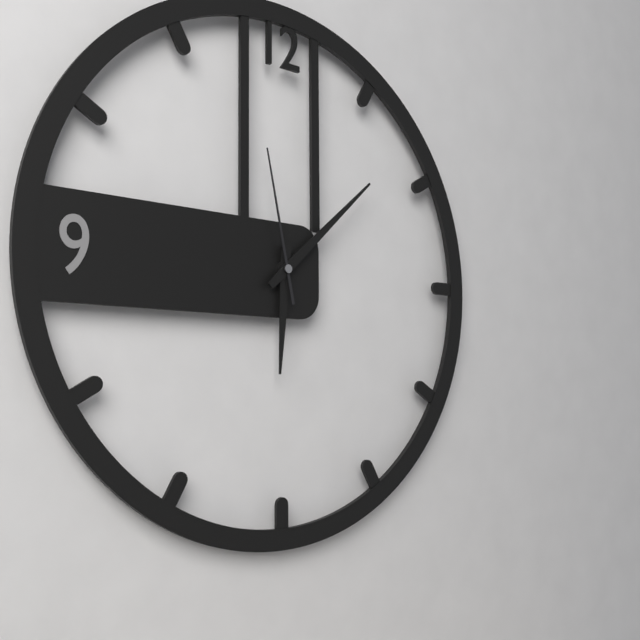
6:08:58
